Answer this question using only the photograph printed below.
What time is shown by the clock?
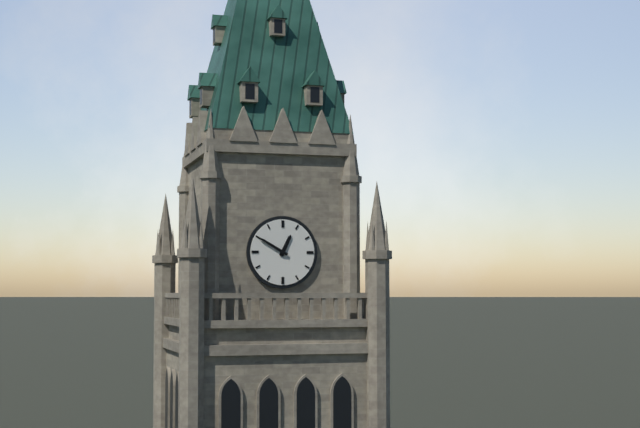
12:50
